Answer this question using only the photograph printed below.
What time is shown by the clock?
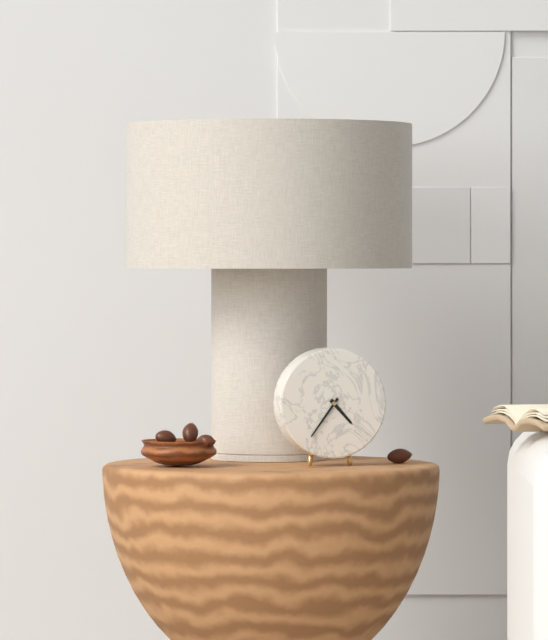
4:36
